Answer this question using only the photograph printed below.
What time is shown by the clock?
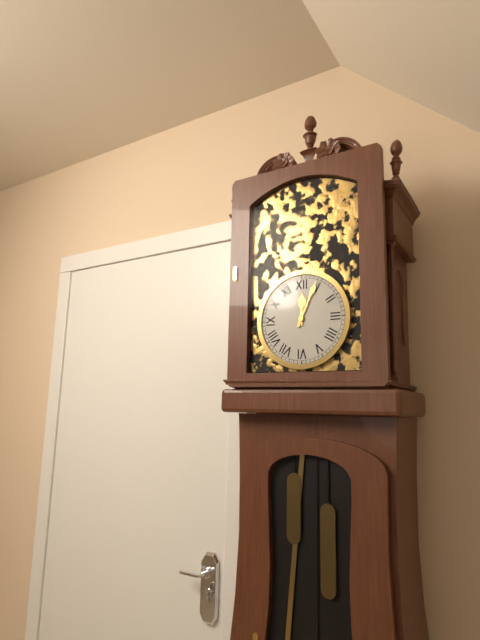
12:04
